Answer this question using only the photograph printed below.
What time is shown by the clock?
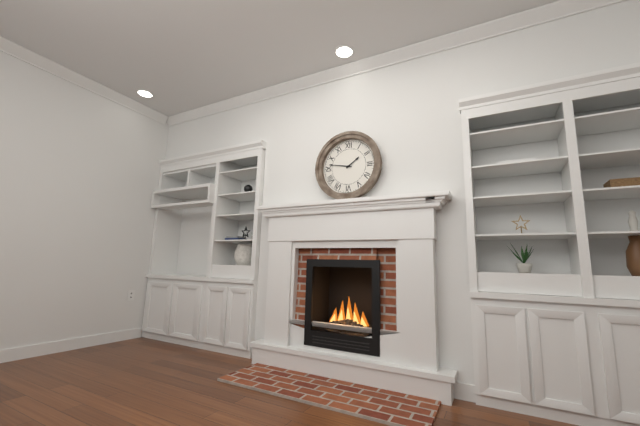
1:47
